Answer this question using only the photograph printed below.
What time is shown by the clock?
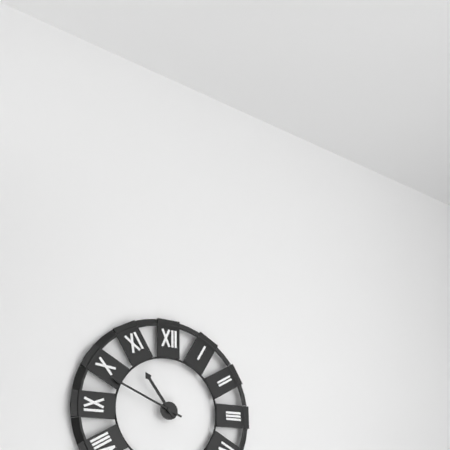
10:49
